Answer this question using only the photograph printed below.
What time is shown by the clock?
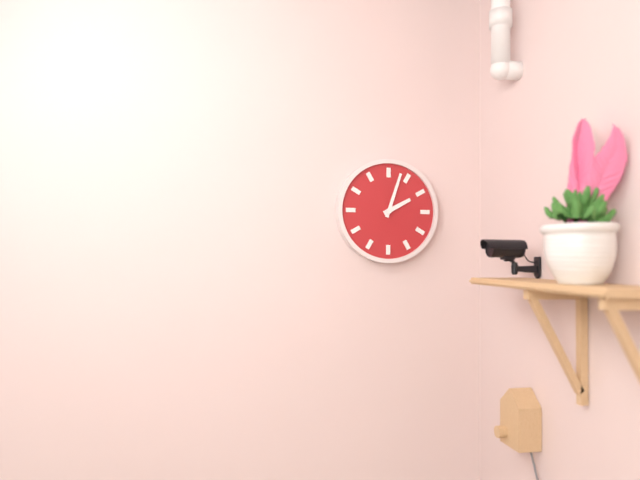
2:03
